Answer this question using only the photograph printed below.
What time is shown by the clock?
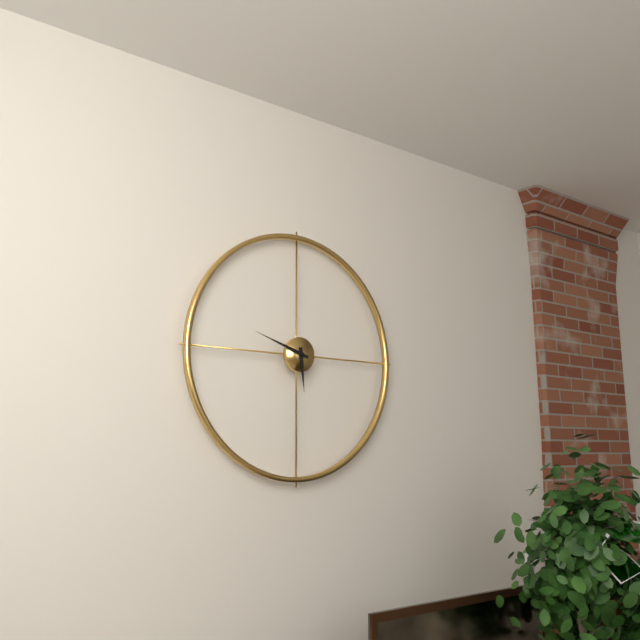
5:48
